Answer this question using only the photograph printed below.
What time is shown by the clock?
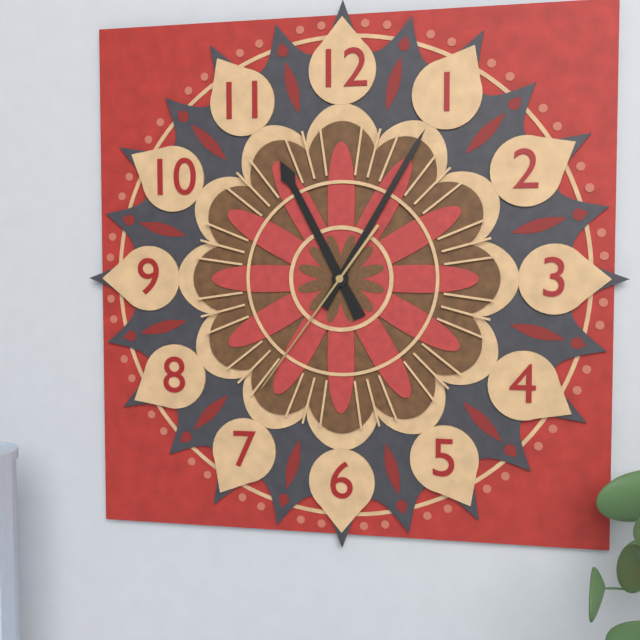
11:05:36
